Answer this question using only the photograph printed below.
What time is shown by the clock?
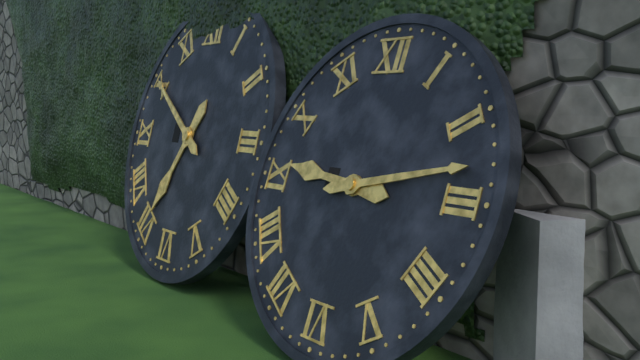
9:13
